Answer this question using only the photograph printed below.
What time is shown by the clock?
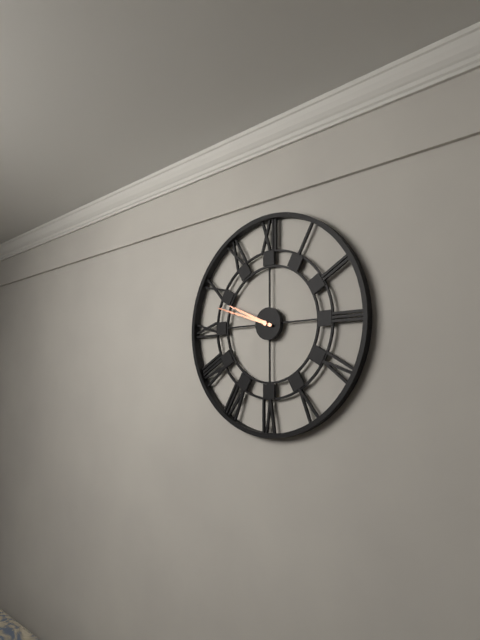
9:48
